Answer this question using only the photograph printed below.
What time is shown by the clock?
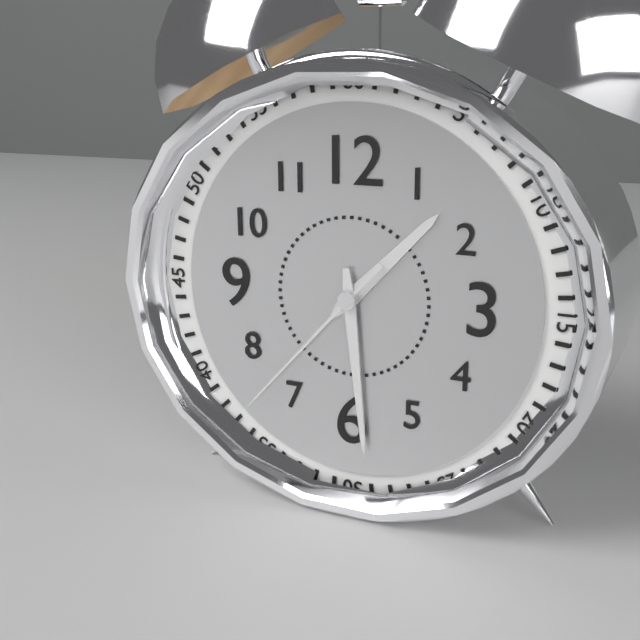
1:29:37
